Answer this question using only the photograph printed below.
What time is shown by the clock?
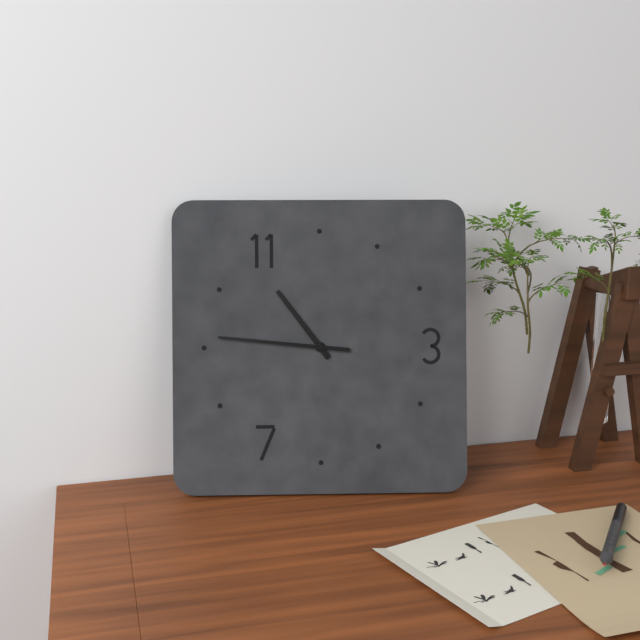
10:46
